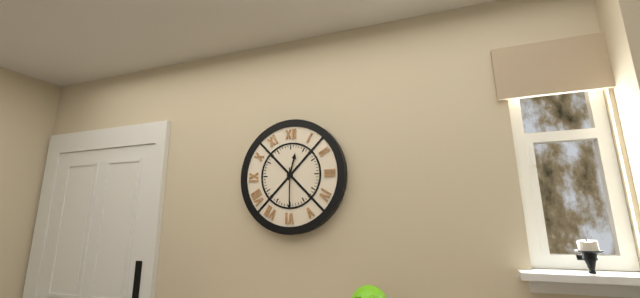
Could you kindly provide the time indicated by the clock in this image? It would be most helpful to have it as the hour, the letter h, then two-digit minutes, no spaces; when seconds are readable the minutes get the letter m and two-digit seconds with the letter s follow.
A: 12h30
